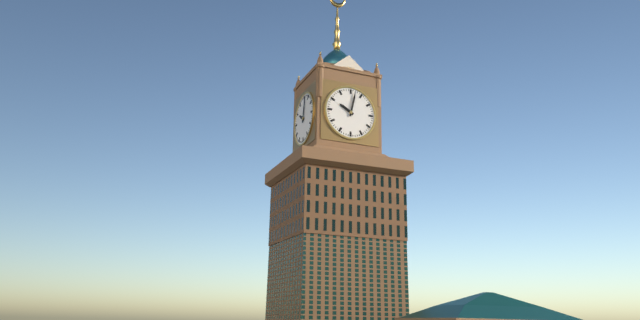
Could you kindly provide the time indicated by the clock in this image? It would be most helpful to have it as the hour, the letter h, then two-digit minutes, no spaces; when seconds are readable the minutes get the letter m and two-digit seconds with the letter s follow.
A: 10h02
